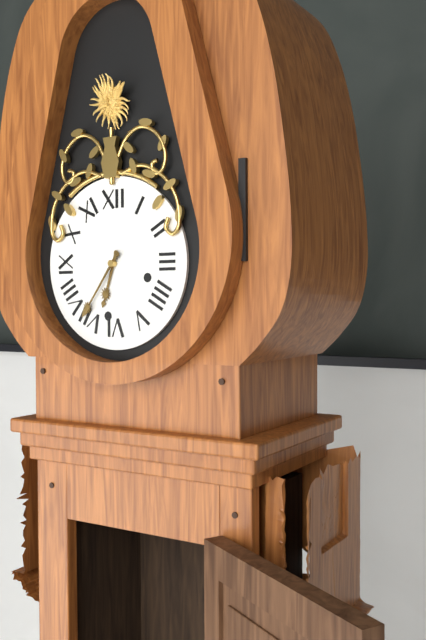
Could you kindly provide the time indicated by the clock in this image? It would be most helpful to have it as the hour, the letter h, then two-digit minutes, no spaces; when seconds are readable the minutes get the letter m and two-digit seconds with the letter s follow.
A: 6h36
